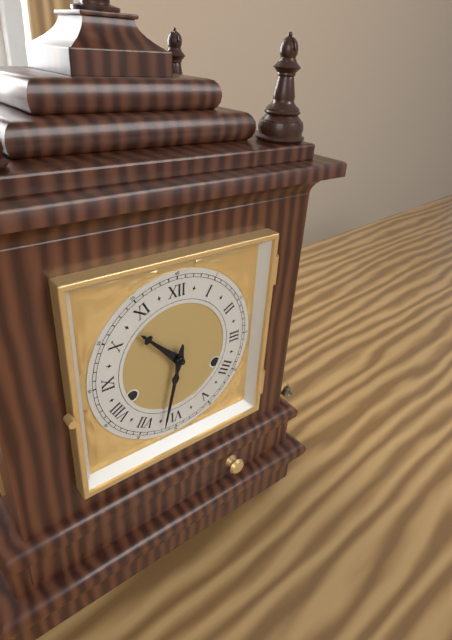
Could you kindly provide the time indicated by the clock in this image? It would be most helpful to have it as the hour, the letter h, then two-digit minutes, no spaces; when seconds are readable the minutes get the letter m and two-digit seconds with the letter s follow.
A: 10h32
